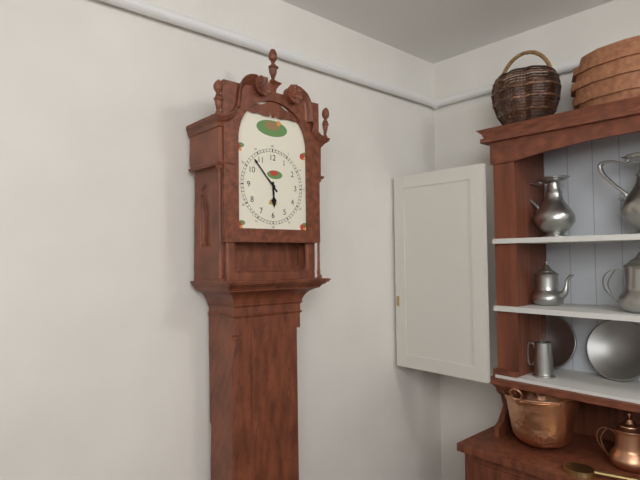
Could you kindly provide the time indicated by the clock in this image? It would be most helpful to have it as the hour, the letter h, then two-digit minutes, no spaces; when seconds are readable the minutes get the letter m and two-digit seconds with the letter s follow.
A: 5h53
